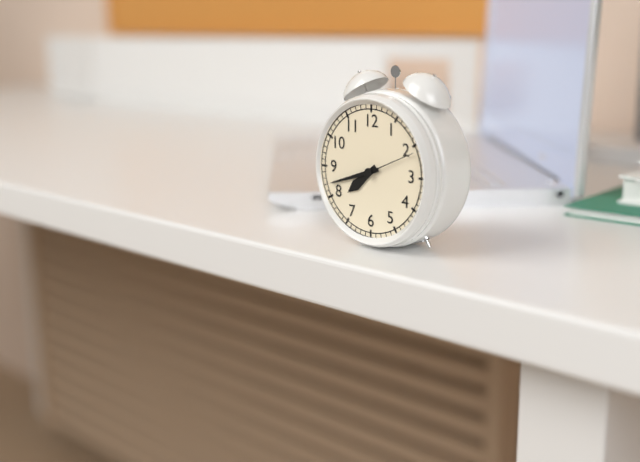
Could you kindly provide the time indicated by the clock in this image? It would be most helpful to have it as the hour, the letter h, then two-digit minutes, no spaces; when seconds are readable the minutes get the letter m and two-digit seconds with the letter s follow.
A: 7h42m11s
